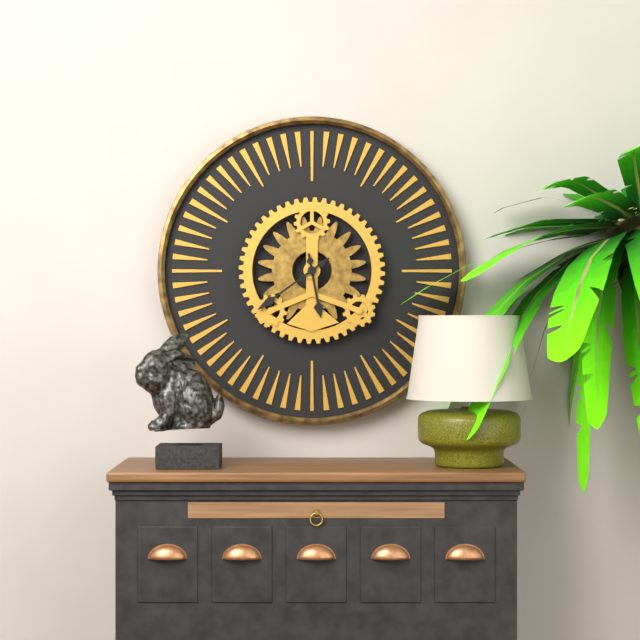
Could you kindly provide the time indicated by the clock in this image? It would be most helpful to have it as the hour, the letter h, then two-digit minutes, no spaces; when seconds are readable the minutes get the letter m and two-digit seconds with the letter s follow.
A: 5h39
